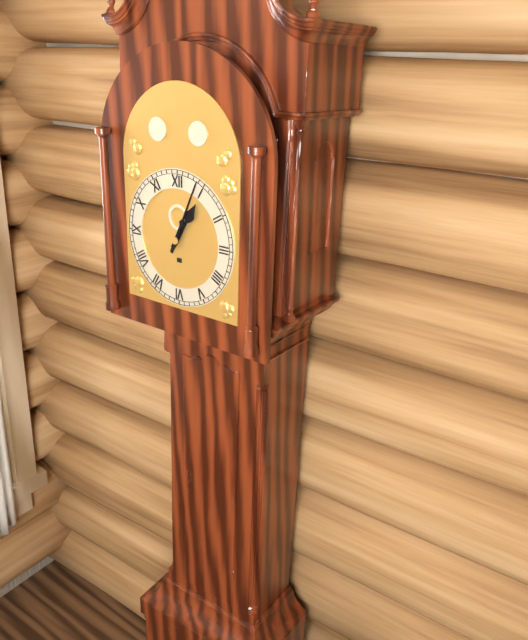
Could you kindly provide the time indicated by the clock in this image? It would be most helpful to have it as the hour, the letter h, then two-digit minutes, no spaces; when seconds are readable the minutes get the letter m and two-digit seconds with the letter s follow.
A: 1h04
